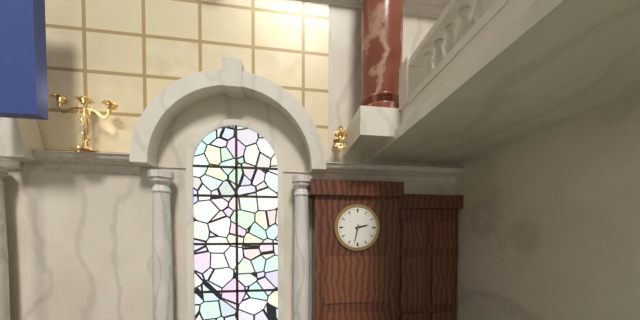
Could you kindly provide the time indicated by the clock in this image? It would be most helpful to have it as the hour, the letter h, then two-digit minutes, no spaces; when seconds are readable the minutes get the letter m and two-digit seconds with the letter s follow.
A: 2h32
